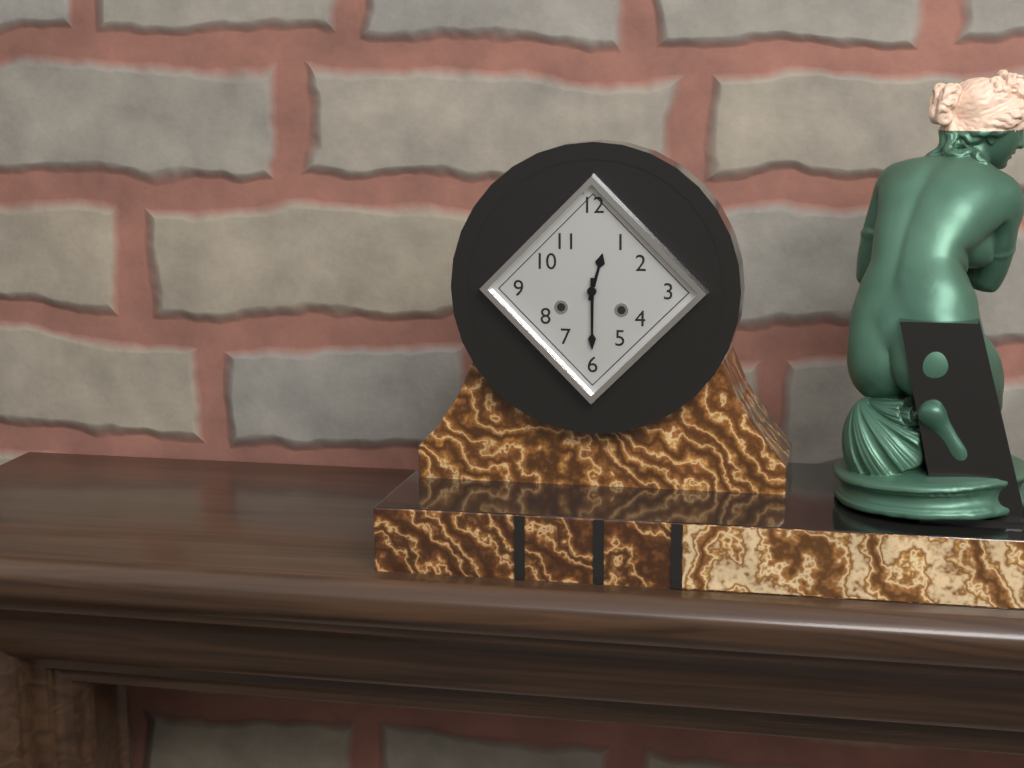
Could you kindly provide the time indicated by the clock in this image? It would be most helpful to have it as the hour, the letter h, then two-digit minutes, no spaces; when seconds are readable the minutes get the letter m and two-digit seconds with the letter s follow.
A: 12h30
